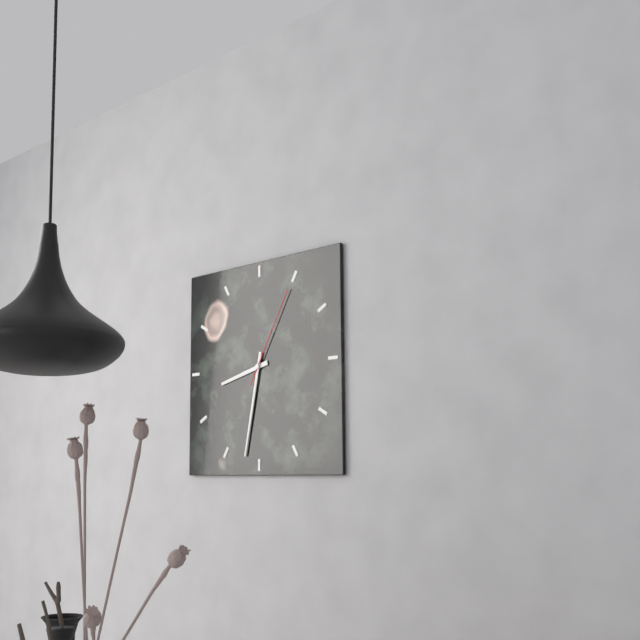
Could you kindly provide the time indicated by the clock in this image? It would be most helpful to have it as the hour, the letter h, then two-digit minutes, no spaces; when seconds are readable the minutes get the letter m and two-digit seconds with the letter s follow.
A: 8h32m05s
